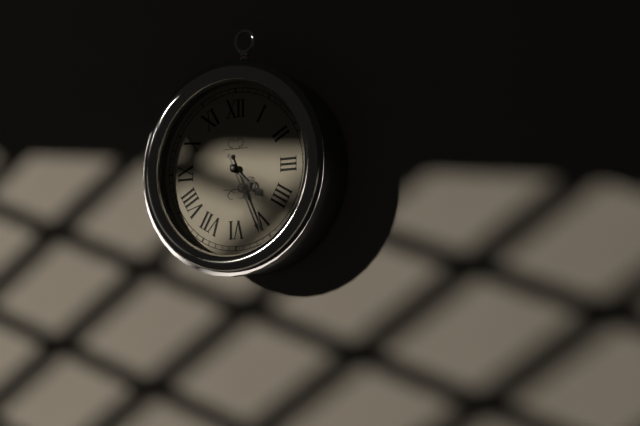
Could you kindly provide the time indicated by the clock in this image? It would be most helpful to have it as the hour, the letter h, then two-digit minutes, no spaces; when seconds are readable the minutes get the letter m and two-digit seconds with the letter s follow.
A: 4h26
